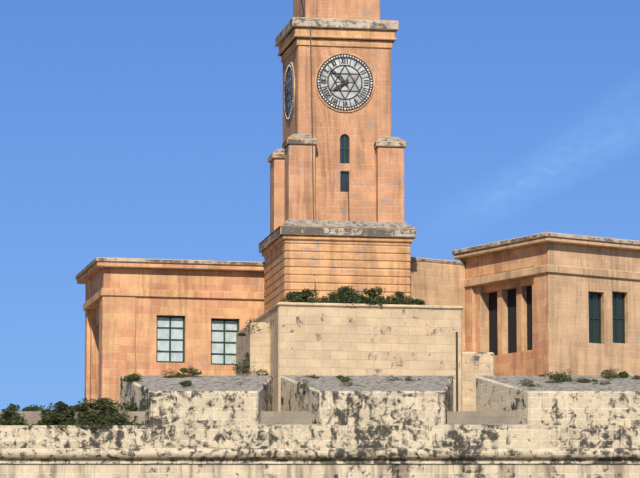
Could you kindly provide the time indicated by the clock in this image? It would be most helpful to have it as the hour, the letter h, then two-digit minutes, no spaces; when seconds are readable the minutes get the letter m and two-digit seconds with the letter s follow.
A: 7h52
